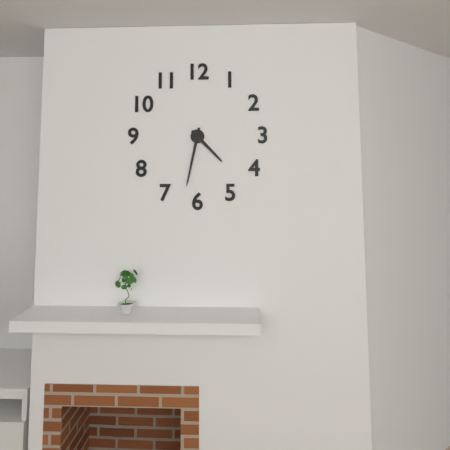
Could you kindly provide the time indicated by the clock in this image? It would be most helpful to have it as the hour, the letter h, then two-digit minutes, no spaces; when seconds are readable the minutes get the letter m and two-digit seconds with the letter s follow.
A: 4h32
